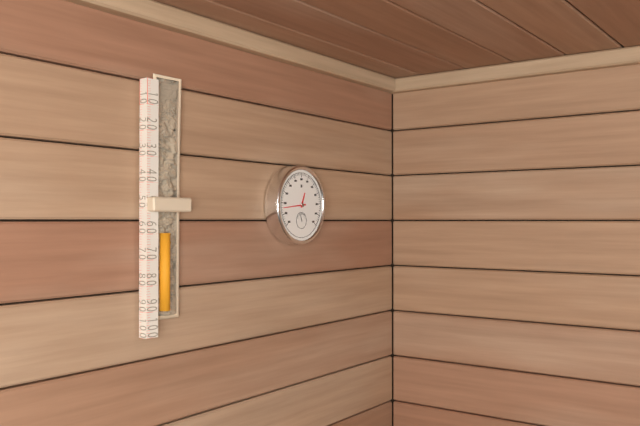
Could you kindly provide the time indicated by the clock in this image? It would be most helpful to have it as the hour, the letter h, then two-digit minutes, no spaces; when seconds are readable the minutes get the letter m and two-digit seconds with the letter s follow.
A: 12h44
